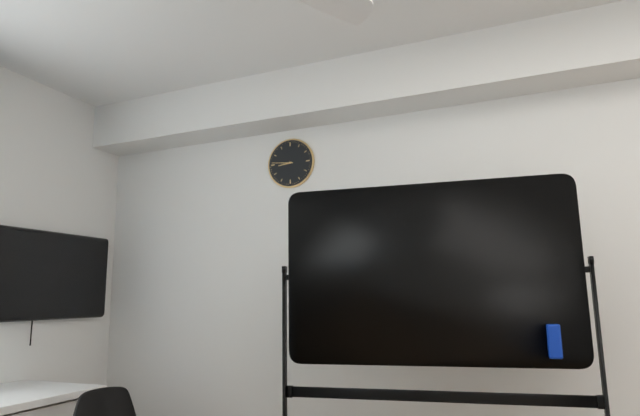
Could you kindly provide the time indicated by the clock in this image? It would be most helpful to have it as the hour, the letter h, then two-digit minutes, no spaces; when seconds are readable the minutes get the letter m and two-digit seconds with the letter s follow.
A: 8h46
